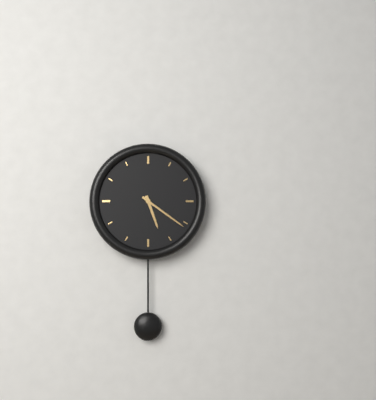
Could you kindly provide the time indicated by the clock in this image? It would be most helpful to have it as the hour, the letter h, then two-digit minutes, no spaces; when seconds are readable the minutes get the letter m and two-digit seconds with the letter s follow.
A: 5h21
